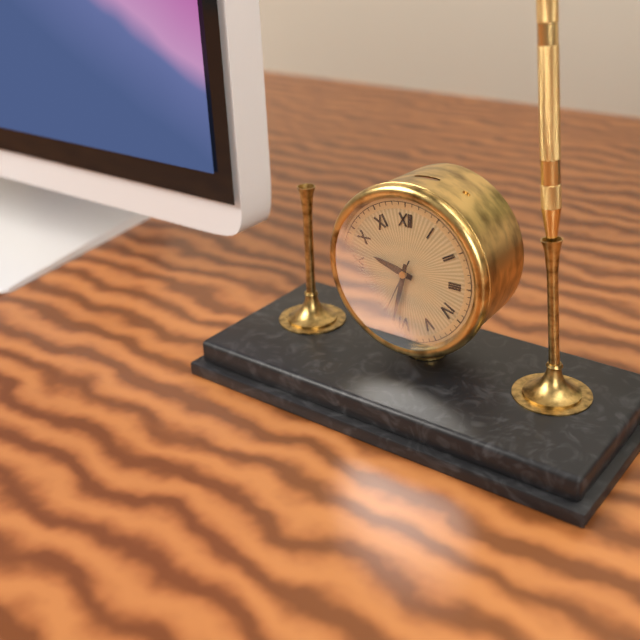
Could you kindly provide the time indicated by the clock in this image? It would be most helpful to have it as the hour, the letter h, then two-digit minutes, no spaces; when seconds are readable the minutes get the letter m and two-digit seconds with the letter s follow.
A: 9h32m34s
